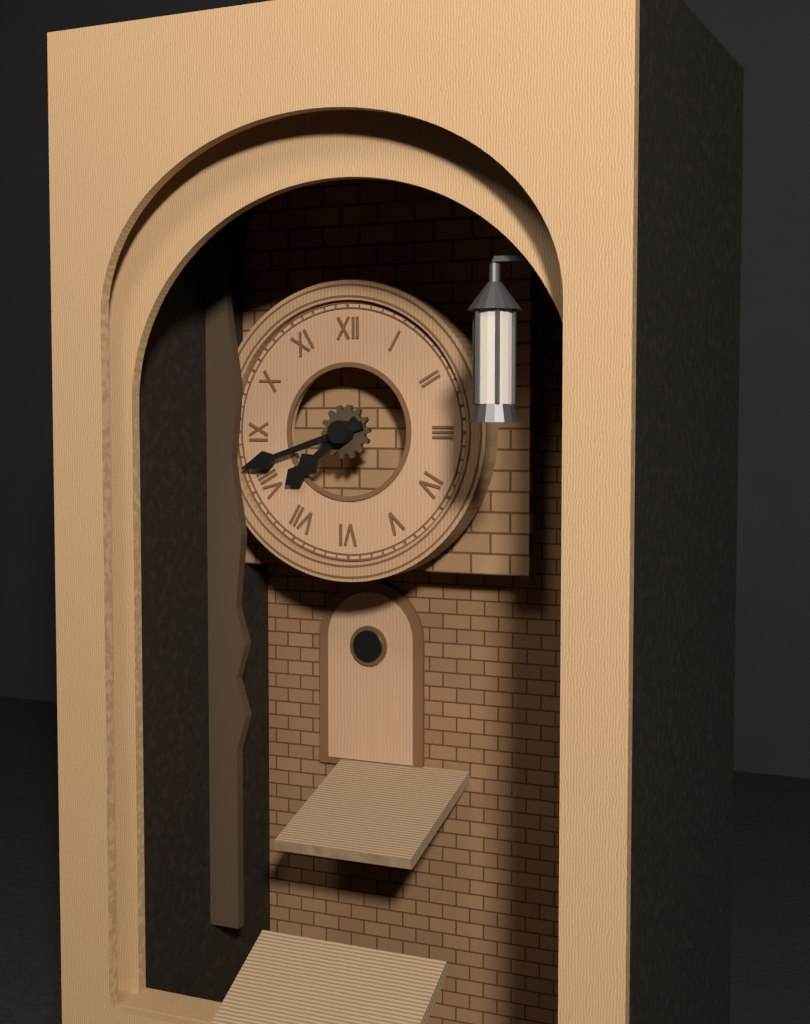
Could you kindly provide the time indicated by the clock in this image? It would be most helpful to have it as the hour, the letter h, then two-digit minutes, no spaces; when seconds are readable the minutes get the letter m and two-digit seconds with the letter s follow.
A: 7h42
